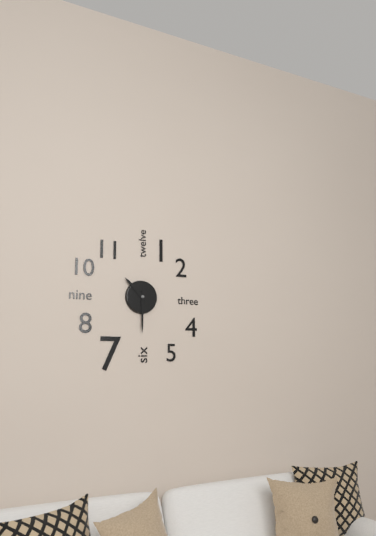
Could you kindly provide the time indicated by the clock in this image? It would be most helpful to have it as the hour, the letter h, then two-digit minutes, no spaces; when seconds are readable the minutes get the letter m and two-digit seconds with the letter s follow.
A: 10h30
